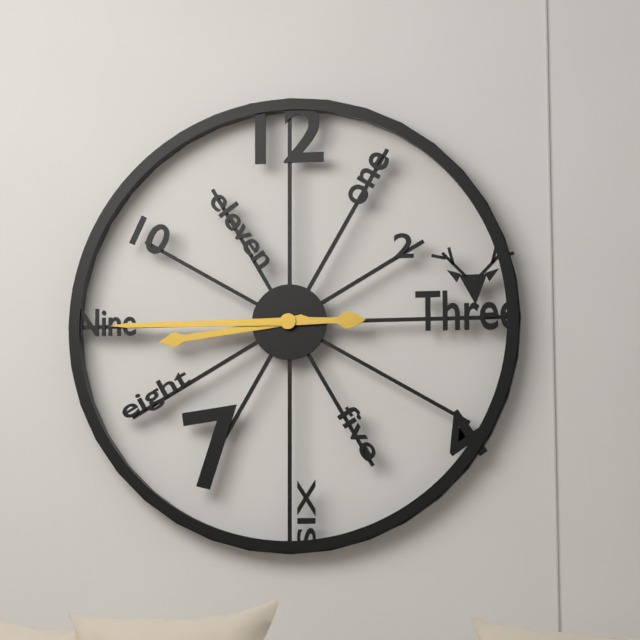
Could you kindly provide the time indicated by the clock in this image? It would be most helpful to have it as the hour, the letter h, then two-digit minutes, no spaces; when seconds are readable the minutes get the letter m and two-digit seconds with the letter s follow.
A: 8h45
